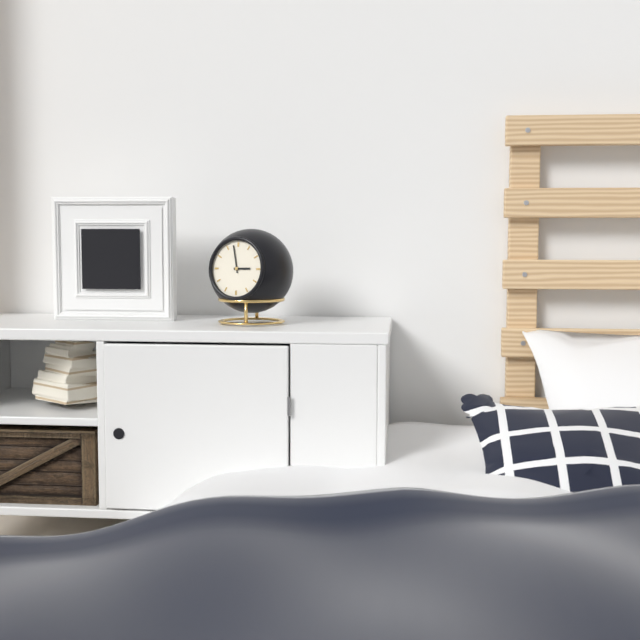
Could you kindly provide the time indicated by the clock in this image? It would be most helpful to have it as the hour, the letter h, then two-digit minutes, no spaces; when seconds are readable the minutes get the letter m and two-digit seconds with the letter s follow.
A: 2h58
